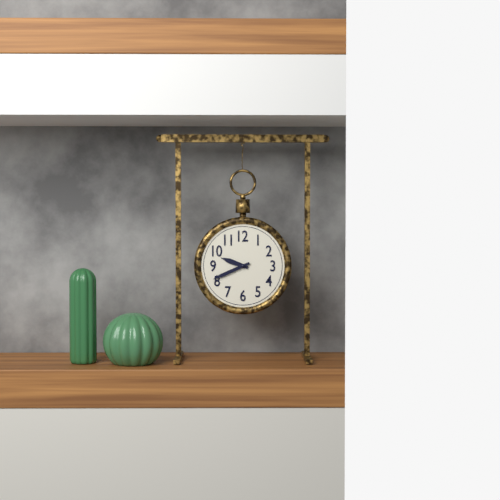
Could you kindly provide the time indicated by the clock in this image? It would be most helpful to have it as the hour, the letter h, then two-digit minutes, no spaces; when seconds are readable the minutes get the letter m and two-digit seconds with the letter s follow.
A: 9h41
